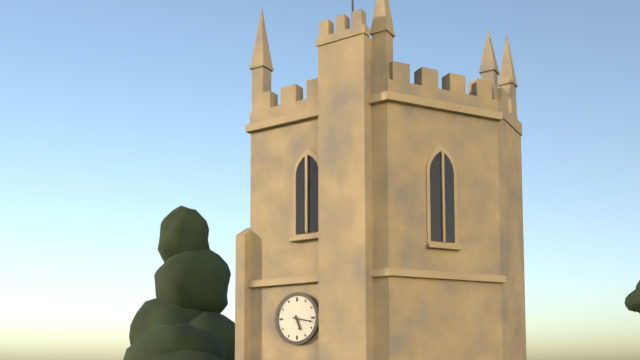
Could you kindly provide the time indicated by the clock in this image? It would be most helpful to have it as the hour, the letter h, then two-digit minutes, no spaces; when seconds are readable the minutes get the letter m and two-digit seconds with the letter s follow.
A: 5h17
